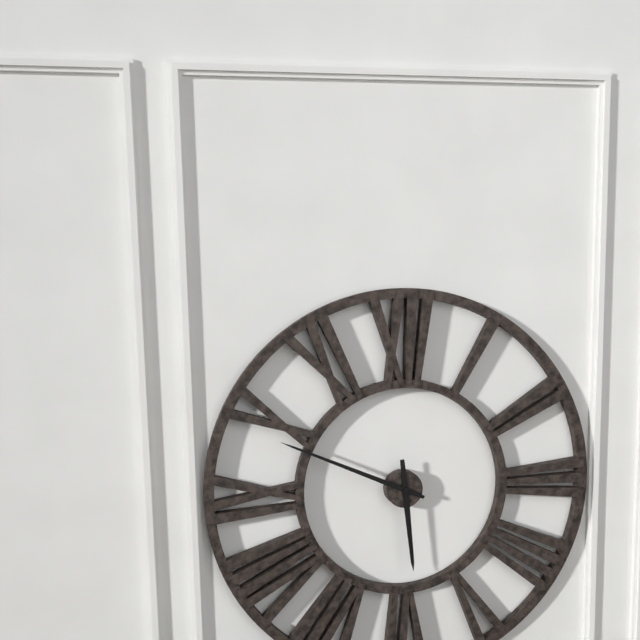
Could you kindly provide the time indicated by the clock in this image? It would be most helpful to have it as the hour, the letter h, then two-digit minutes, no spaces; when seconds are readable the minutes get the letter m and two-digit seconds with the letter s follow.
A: 5h49
